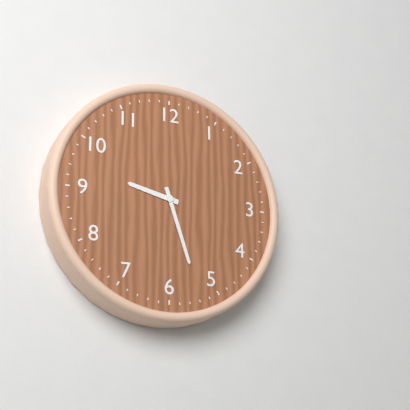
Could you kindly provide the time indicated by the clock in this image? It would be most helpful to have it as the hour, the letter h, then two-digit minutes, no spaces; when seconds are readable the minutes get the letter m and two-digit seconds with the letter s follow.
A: 9h27
